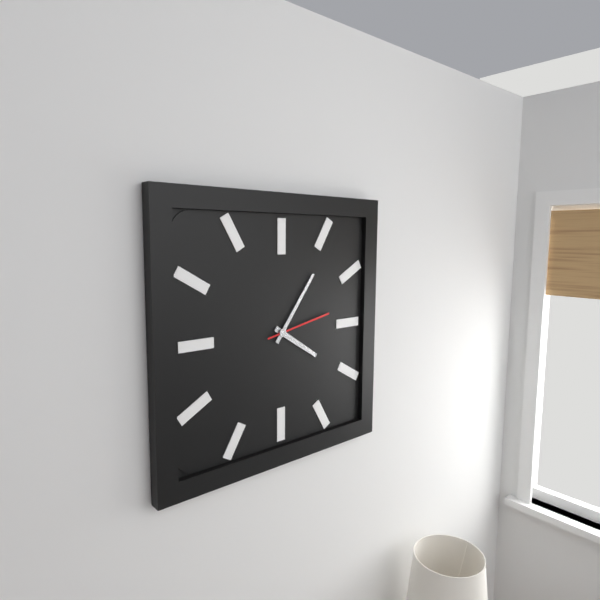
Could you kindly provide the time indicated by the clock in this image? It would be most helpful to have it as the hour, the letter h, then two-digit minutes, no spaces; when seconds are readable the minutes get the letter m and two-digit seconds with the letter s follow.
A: 4h06m13s
